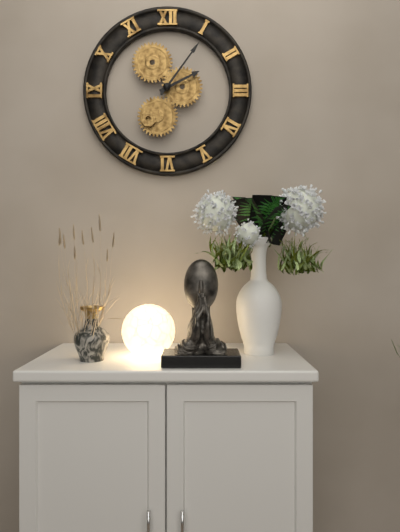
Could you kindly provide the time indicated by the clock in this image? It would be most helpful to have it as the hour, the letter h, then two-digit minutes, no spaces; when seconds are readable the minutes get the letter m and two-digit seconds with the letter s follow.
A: 2h06
